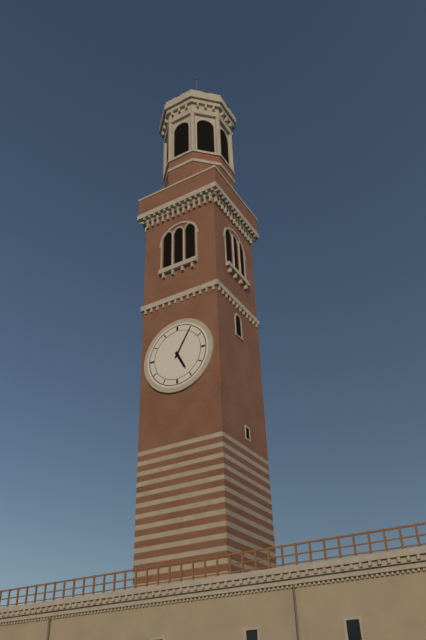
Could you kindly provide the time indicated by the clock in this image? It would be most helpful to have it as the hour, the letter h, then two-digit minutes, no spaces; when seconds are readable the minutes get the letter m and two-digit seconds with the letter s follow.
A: 5h05
